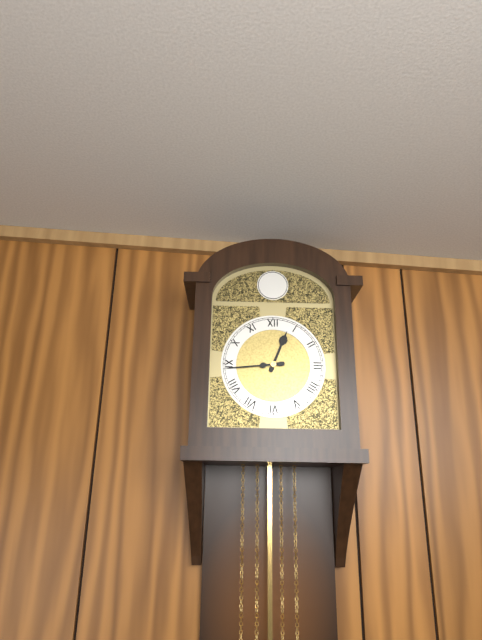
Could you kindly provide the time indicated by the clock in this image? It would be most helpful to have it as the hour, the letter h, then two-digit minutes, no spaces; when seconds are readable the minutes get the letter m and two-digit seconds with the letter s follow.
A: 12h44
